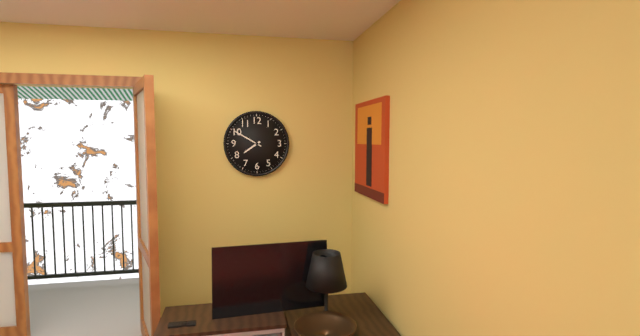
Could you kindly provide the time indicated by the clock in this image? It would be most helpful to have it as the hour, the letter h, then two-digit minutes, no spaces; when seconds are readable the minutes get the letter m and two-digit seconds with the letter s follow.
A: 7h50
